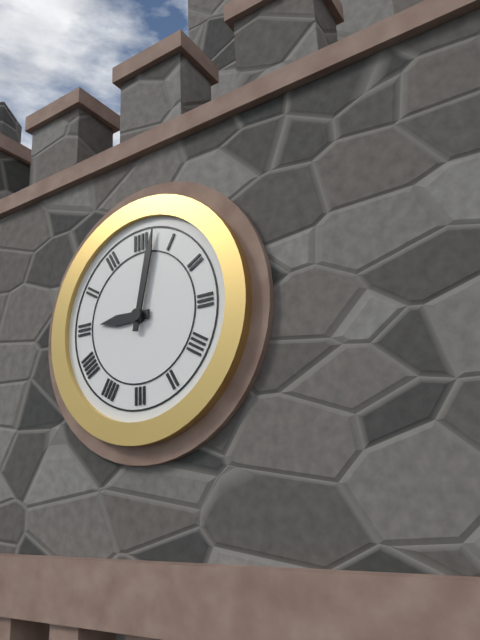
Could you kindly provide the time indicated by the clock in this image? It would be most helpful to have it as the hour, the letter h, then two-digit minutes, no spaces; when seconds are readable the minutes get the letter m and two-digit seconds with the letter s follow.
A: 9h02
